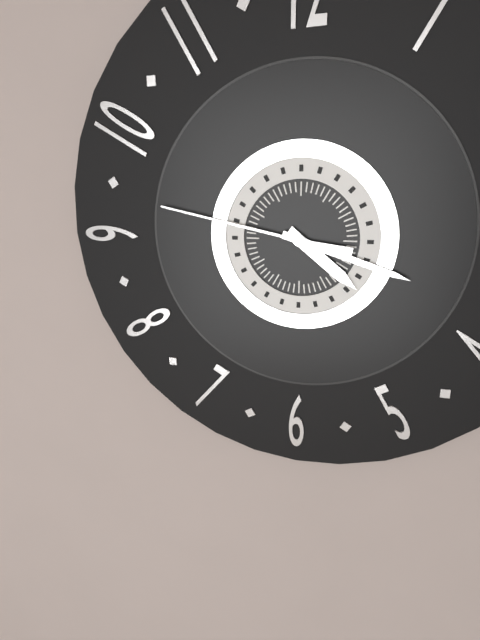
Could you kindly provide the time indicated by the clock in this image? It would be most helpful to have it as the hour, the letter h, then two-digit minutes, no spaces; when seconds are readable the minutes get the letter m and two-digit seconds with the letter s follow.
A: 4h18m47s
